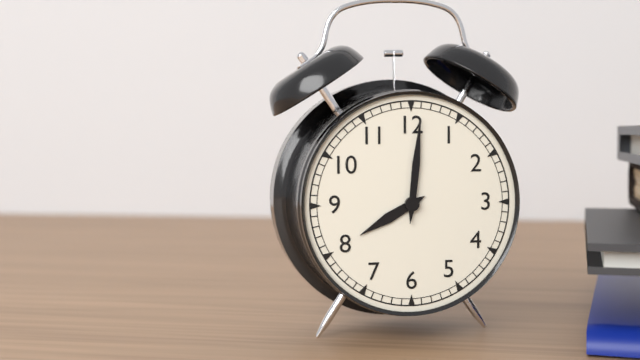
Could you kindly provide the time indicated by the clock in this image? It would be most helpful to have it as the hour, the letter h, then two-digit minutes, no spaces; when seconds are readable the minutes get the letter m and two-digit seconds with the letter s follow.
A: 8h01
